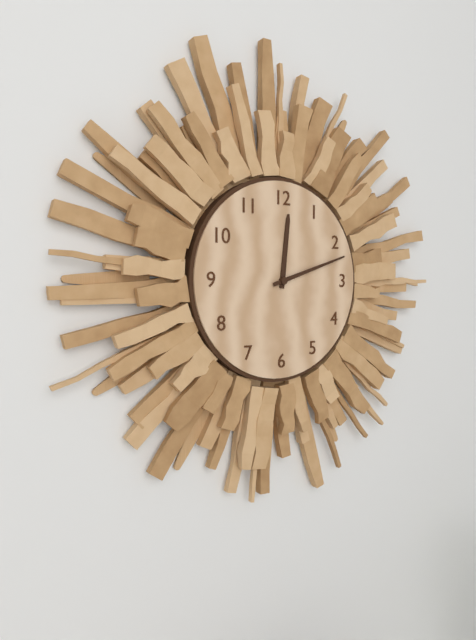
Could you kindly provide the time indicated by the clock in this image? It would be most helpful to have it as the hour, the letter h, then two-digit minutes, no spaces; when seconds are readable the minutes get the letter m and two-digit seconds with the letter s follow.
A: 12h12
